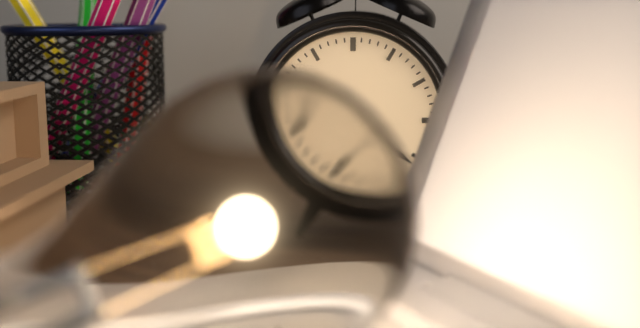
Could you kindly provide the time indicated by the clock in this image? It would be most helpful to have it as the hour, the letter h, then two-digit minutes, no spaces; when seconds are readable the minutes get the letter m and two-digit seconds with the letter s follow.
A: 10h21
